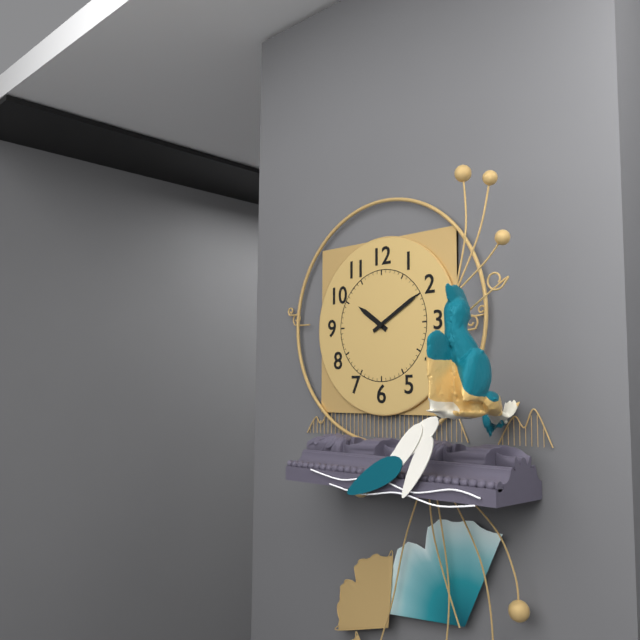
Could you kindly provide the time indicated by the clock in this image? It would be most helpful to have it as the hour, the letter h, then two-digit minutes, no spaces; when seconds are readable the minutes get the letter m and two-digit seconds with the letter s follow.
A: 10h10
